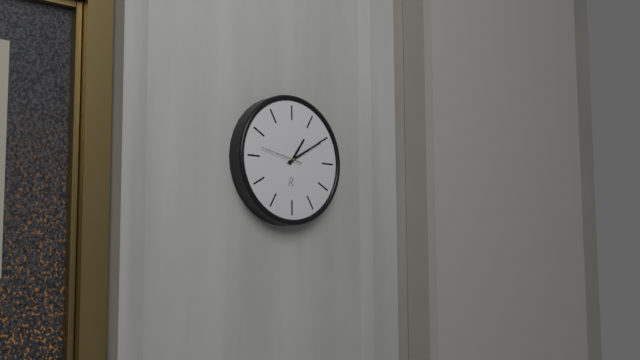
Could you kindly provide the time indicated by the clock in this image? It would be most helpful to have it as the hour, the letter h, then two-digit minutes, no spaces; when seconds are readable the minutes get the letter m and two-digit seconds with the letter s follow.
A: 1h10
